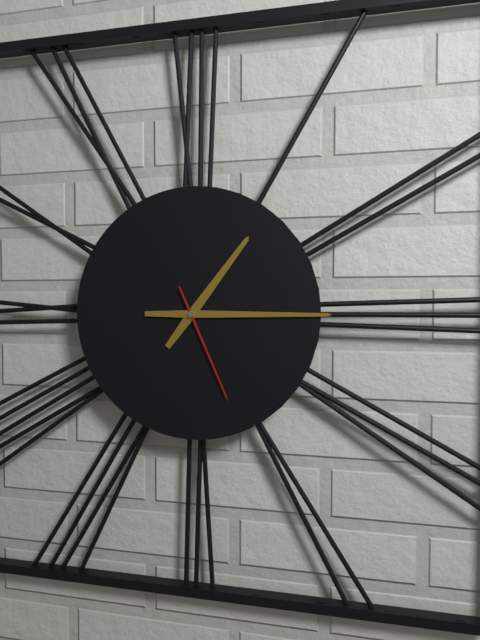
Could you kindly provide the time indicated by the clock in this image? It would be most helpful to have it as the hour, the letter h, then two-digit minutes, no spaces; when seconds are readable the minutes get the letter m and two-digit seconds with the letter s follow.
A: 1h15m26s
